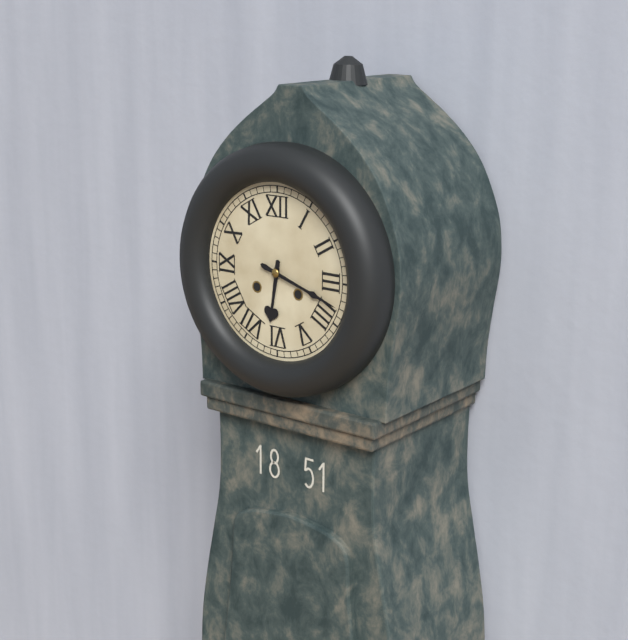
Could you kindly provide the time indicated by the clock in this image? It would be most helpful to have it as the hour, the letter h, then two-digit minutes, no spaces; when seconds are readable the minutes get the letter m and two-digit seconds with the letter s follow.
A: 6h18
